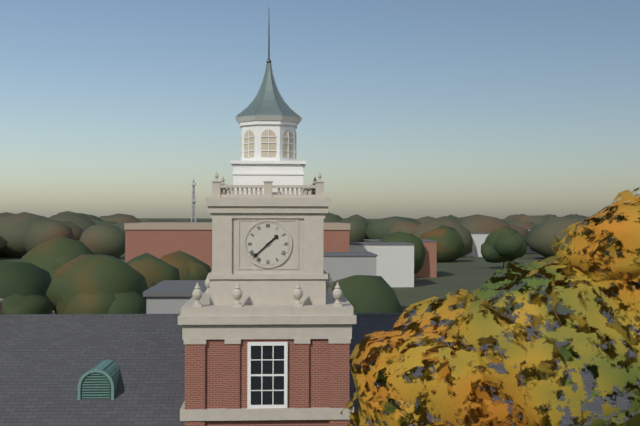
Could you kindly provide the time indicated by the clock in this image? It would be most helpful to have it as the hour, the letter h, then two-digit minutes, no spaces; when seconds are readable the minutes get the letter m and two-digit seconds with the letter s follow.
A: 1h38
